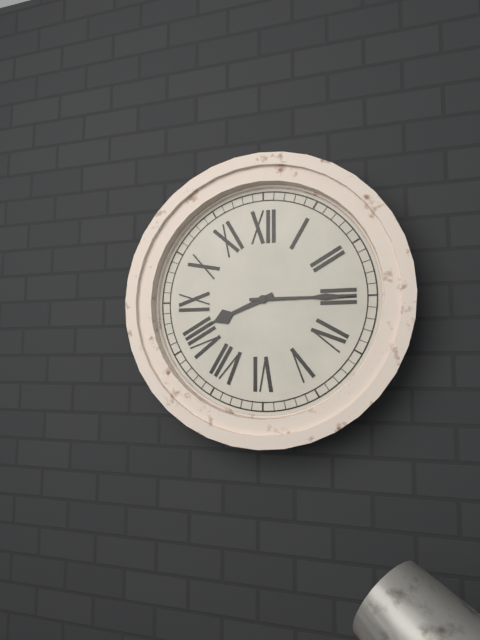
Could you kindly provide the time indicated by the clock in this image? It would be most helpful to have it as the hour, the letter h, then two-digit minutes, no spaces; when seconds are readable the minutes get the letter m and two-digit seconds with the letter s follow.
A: 8h15
